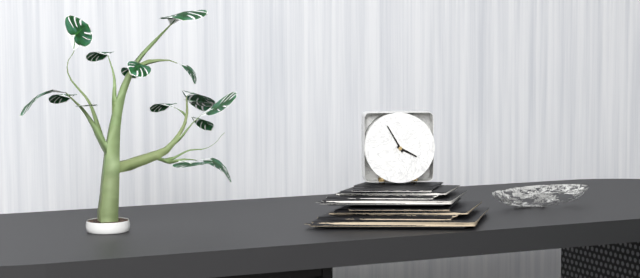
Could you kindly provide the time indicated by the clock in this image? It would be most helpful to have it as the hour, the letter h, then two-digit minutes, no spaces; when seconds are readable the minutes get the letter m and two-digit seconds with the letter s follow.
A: 3h55
